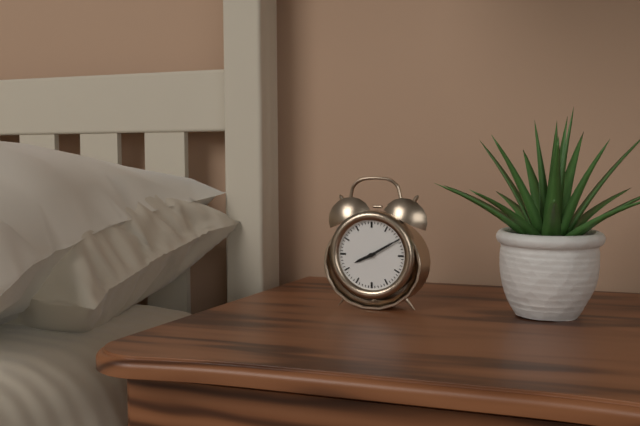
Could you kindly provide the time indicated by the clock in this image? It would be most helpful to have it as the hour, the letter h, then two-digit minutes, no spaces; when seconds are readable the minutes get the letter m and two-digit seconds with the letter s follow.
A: 8h10
